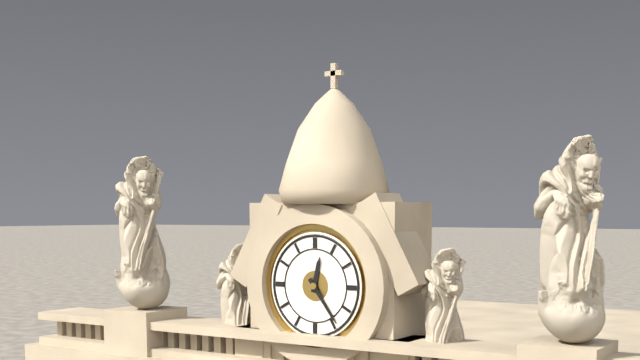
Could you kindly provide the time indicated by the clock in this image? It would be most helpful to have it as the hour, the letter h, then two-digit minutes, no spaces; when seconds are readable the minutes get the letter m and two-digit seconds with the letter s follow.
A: 12h24
